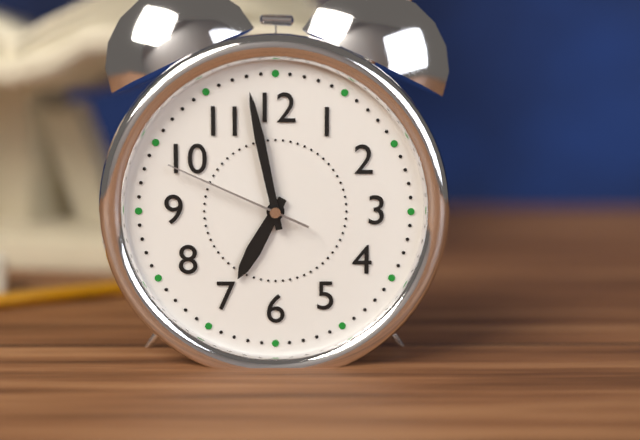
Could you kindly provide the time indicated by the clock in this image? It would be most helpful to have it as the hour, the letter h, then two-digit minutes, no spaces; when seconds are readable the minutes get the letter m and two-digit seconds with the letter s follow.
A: 6h58m49s
